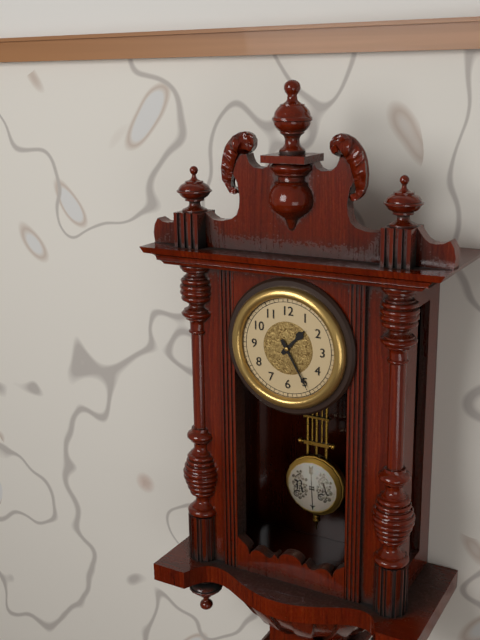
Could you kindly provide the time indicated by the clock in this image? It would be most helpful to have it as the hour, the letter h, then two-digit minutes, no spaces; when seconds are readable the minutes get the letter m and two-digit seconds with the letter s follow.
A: 1h25
